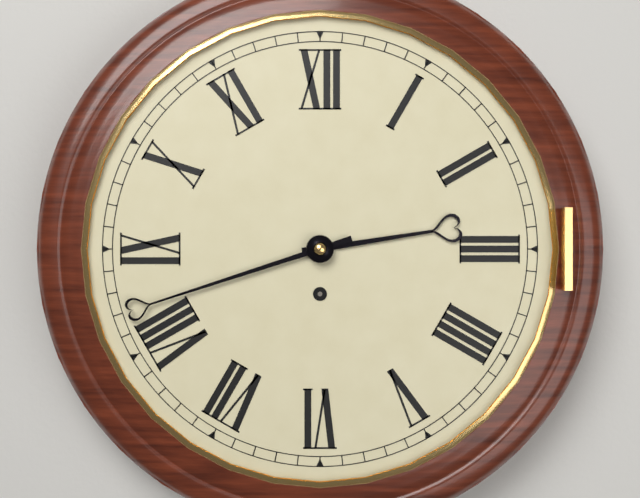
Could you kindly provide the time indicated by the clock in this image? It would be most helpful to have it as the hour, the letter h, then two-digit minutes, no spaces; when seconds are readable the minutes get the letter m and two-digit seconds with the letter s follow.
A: 2h42
